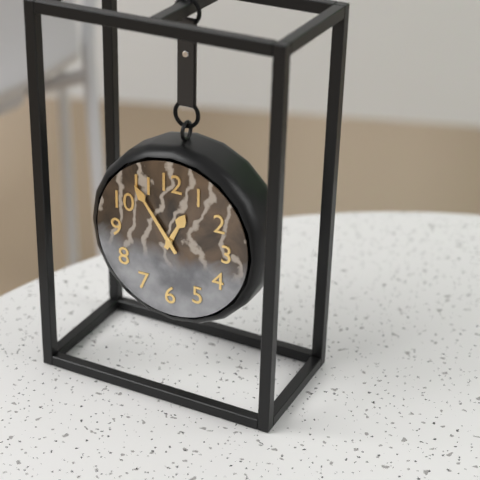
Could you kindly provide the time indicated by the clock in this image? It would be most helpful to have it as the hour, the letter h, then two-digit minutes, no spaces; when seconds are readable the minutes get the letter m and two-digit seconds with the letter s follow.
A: 12h54
